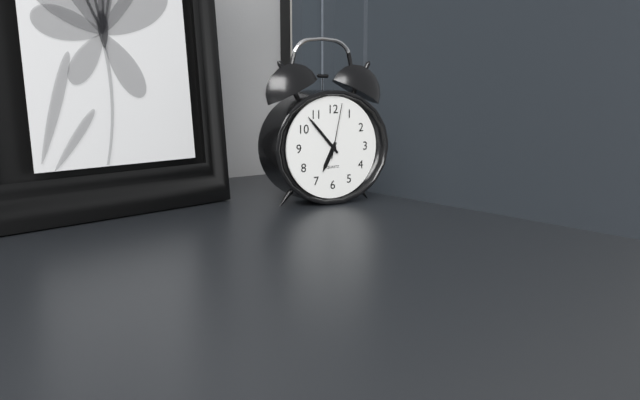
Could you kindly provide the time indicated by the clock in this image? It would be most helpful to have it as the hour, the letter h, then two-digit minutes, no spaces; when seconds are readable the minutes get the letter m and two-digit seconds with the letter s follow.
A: 6h53m02s
